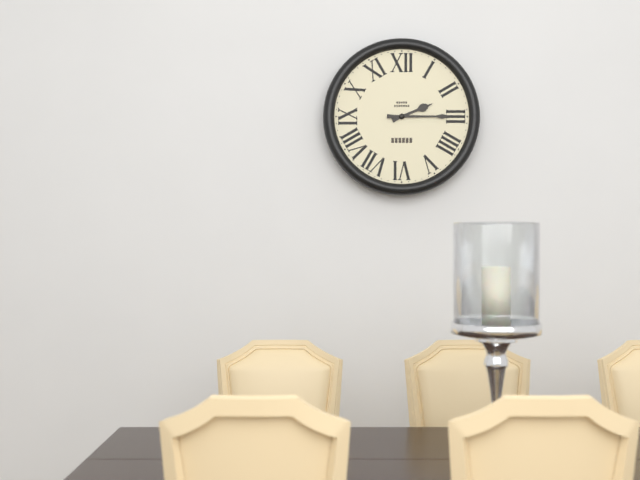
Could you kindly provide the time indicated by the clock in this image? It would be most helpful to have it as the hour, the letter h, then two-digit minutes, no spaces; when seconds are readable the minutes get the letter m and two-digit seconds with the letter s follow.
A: 2h15
